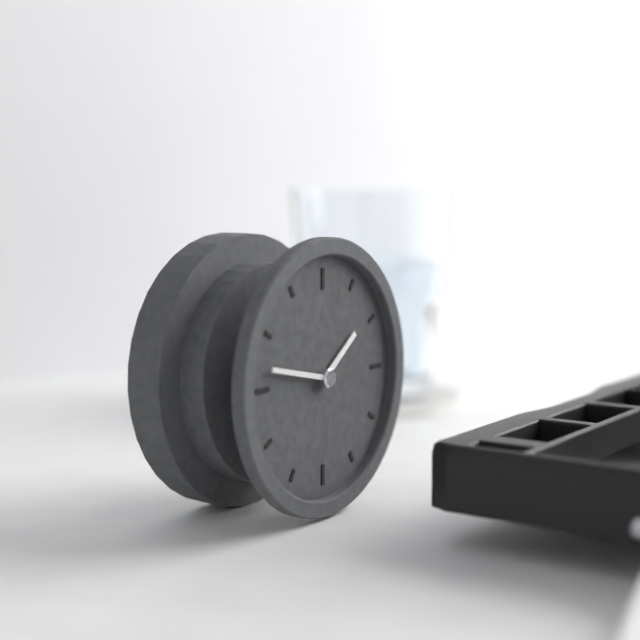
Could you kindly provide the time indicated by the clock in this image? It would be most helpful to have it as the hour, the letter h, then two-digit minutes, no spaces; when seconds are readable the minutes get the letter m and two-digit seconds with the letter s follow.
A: 1h47
